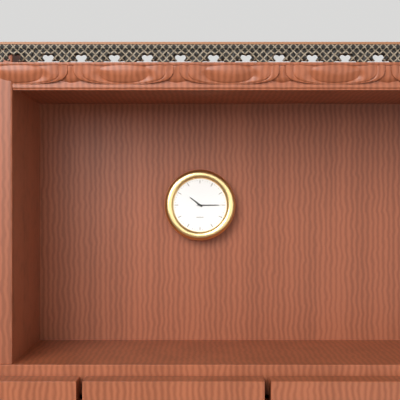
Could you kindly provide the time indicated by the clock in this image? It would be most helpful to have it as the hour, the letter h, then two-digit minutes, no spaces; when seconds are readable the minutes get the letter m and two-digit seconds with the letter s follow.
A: 10h15
